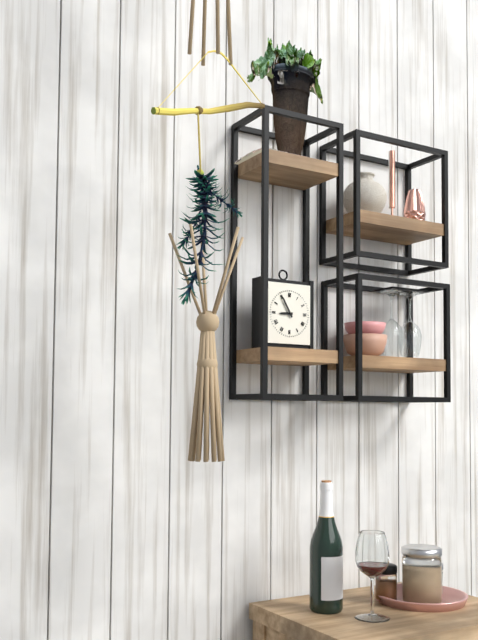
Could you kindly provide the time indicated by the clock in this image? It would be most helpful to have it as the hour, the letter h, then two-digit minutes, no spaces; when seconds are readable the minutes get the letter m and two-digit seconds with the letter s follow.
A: 8h55
